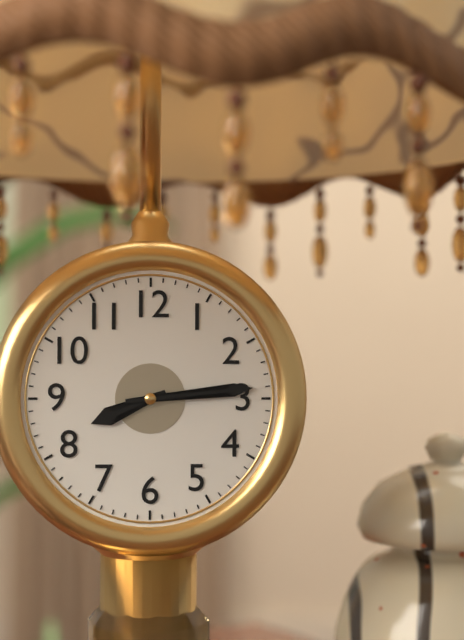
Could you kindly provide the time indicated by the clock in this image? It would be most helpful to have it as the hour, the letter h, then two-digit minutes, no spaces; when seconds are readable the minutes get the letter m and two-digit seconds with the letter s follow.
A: 8h14
